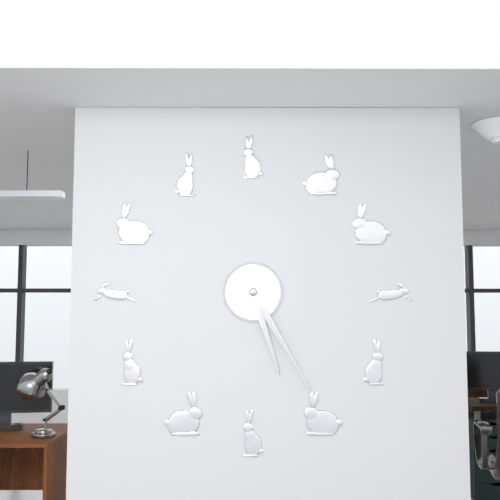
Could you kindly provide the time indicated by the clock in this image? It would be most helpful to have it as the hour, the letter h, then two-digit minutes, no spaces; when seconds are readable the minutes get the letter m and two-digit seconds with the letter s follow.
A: 5h25
